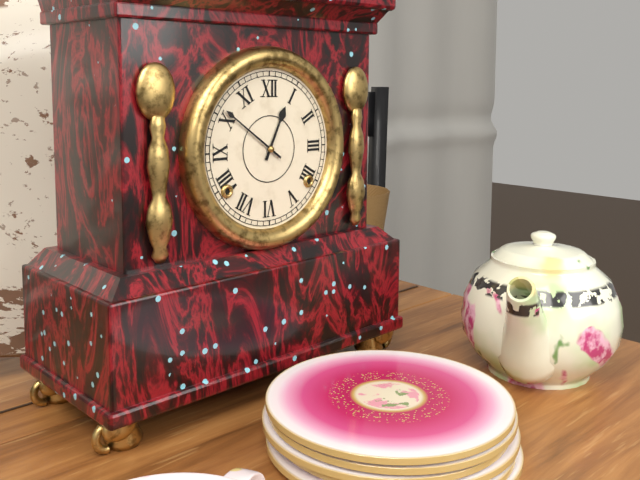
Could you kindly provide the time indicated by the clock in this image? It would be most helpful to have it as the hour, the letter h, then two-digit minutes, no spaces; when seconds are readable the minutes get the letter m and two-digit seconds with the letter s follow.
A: 12h51
